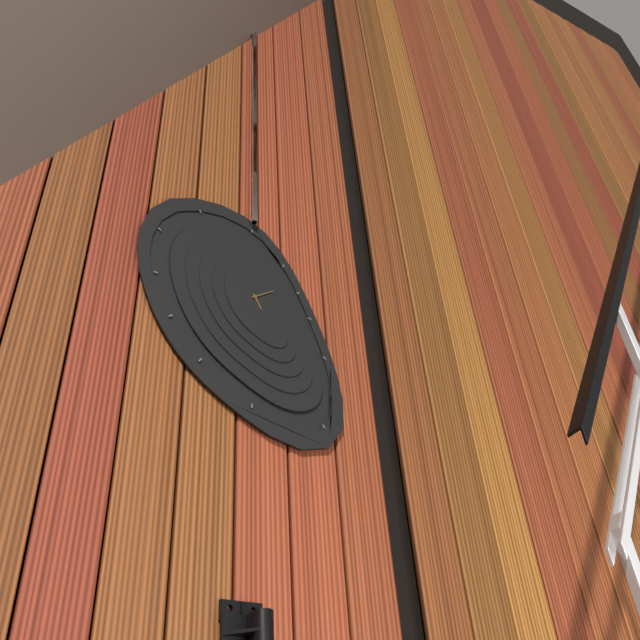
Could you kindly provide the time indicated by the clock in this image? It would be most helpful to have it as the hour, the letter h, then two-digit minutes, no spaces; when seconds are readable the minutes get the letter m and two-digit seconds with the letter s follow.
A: 5h09
